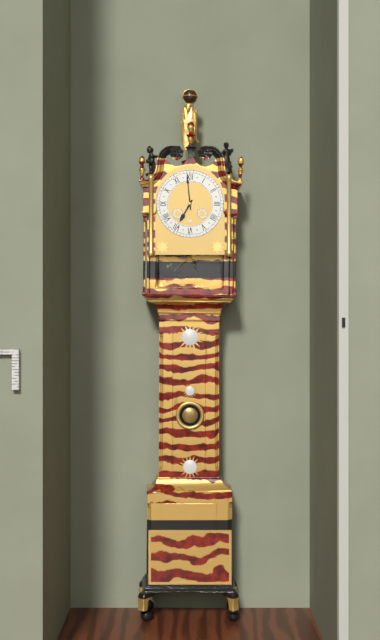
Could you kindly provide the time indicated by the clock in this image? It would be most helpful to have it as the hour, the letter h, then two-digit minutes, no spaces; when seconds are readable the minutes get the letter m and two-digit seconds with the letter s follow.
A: 6h59
